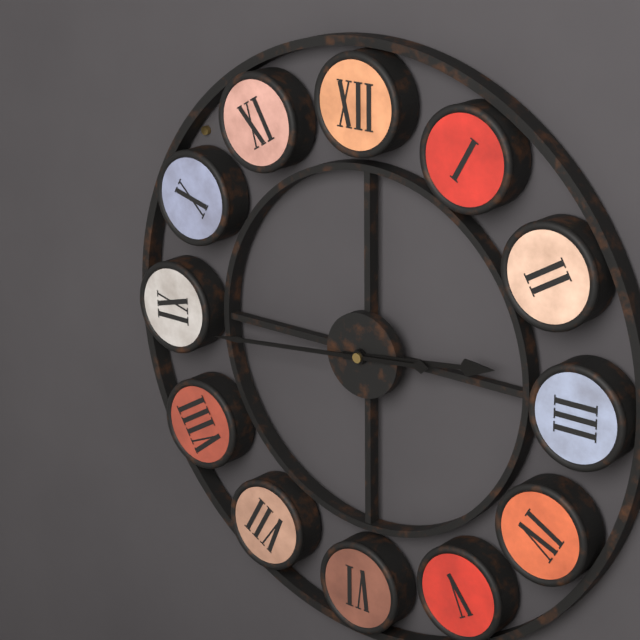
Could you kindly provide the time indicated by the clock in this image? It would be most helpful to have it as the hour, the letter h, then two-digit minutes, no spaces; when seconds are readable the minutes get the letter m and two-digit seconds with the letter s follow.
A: 2h44
